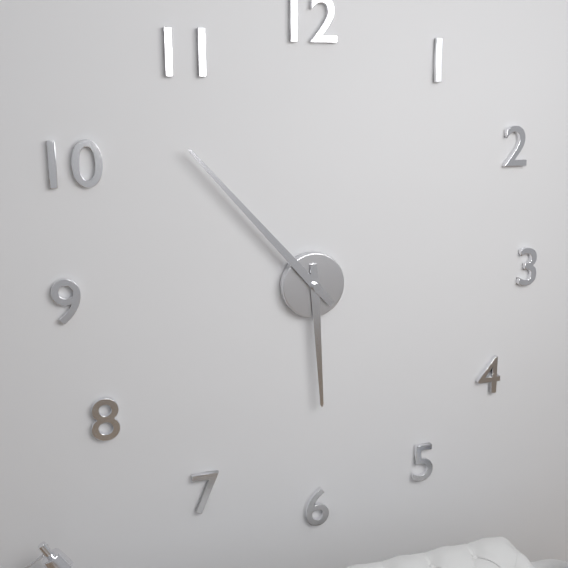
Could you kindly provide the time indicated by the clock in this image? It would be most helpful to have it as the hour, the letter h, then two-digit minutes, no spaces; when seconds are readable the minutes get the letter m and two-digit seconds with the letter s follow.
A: 5h53
